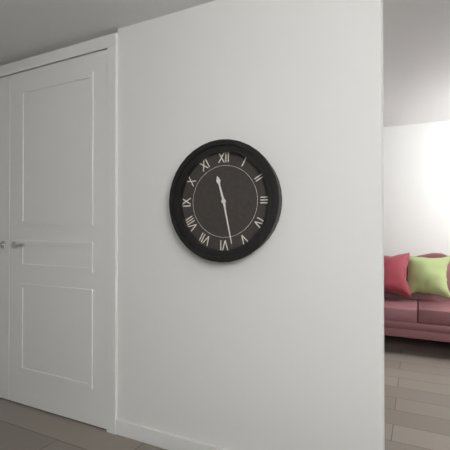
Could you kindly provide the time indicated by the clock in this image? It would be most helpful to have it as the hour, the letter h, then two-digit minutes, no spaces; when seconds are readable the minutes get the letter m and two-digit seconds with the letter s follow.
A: 11h28
